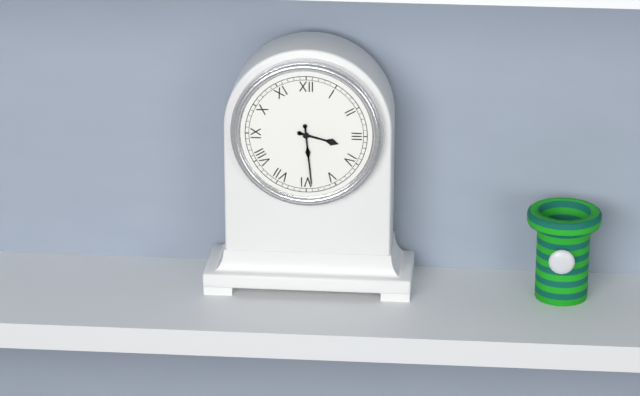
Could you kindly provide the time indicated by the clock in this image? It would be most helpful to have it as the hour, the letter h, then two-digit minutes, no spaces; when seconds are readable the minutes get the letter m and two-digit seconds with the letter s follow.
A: 3h29
